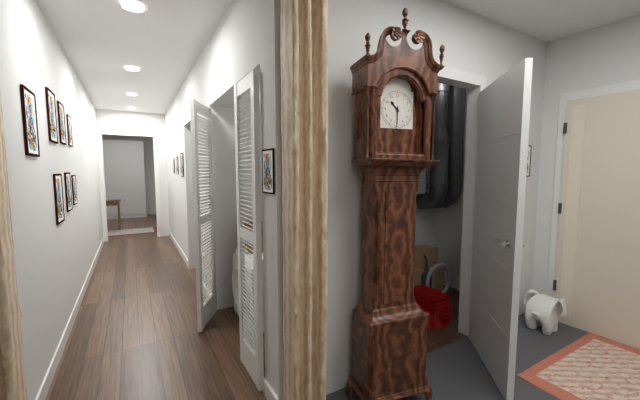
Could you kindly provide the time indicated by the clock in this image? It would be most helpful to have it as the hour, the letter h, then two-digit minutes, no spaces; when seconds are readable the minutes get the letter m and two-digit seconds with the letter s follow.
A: 10h30
